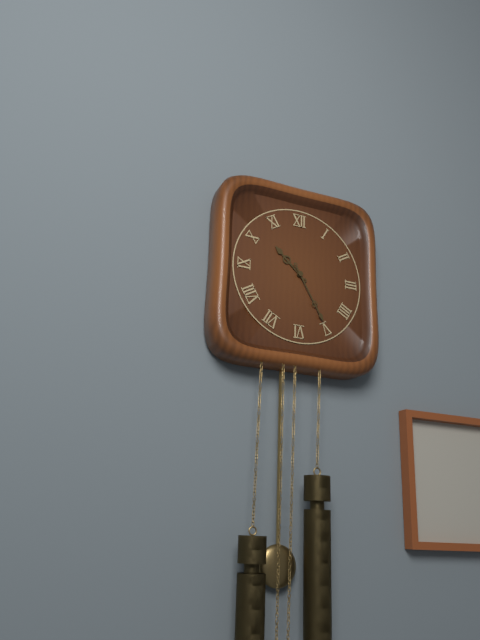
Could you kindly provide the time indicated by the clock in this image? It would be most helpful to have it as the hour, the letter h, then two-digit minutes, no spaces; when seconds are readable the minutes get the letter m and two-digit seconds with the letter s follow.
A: 10h25
